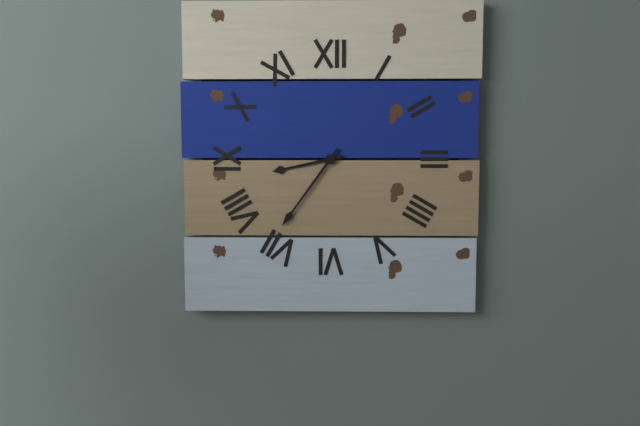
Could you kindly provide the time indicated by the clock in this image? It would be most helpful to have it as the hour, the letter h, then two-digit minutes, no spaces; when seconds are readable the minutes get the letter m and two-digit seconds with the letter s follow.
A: 8h36
